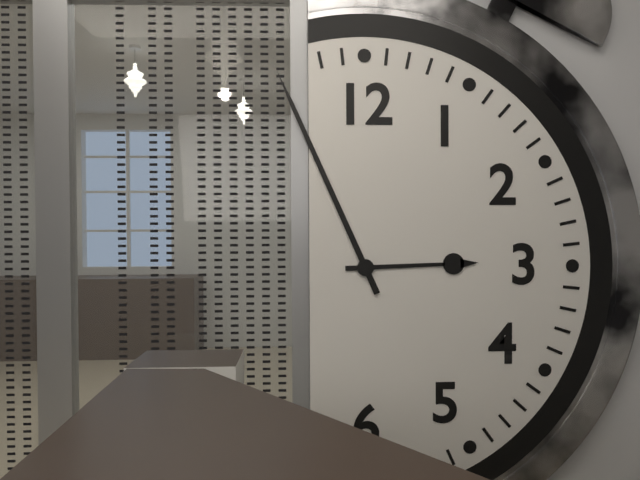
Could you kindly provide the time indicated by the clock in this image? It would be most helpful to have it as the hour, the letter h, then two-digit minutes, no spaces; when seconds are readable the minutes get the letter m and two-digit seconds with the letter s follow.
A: 2h56
